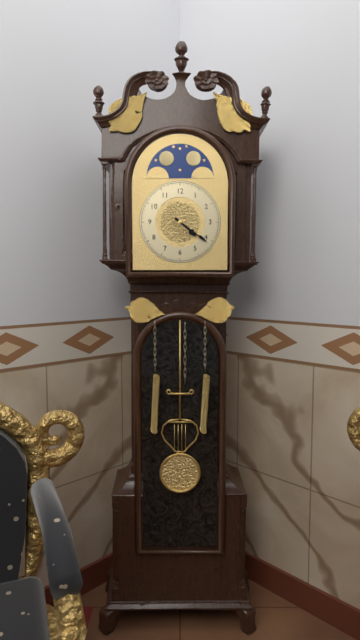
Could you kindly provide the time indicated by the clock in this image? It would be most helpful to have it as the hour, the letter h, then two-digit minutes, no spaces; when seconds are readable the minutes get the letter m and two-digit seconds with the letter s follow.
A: 4h21
